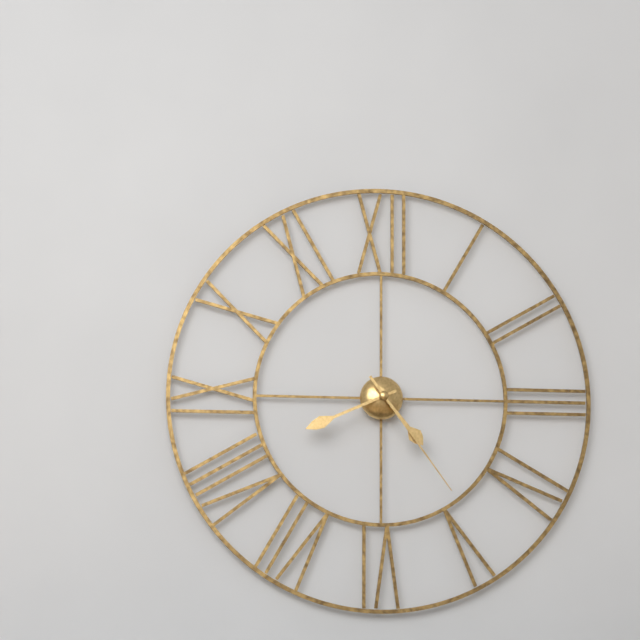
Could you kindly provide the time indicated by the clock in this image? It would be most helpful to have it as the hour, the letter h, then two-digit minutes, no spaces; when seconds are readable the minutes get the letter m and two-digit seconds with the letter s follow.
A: 4h41m24s
